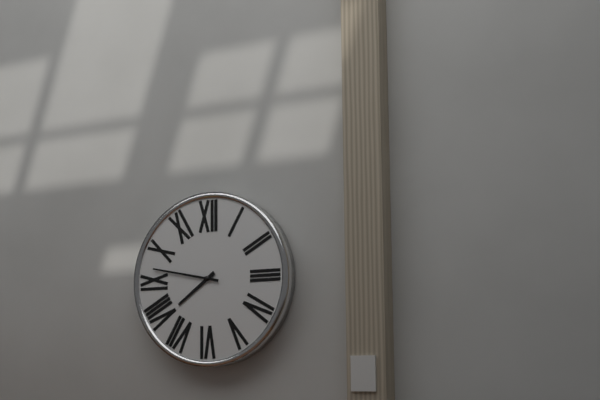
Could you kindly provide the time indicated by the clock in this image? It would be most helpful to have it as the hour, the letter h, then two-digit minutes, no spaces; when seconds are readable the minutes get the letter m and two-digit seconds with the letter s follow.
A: 7h47
